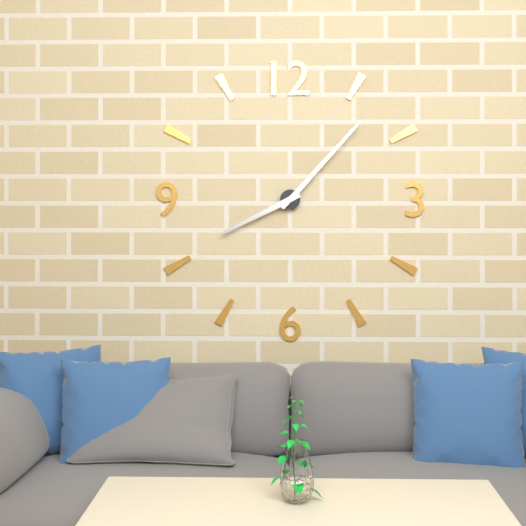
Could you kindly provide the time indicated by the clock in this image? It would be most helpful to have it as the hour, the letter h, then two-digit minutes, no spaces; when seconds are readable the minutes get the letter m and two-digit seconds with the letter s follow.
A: 8h07
